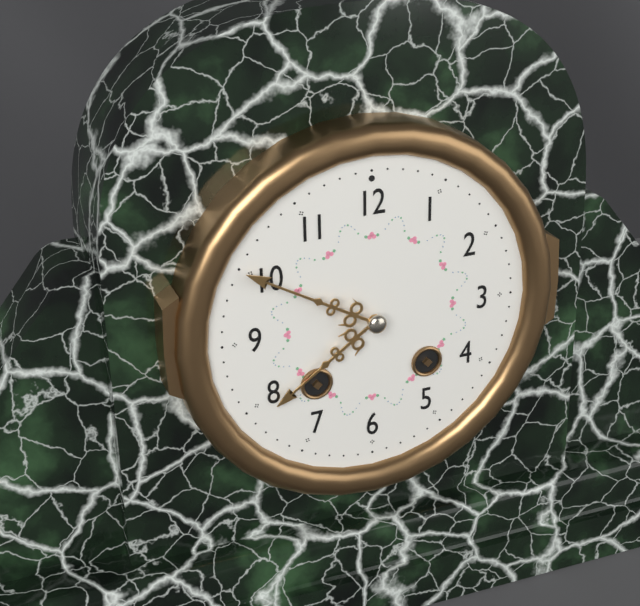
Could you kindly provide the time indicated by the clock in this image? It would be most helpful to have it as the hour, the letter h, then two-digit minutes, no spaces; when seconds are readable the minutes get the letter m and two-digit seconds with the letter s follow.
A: 7h50
